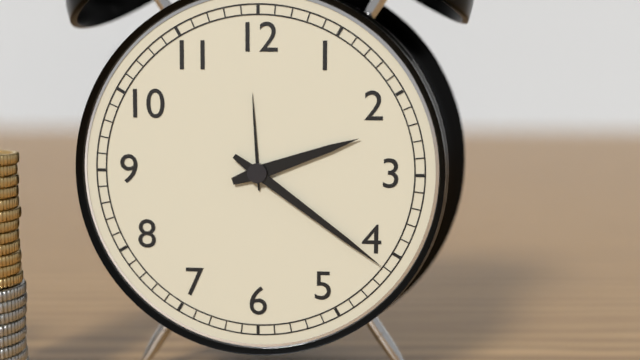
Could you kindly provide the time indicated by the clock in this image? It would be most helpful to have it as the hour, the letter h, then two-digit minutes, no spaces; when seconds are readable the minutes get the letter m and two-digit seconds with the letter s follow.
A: 2h21
